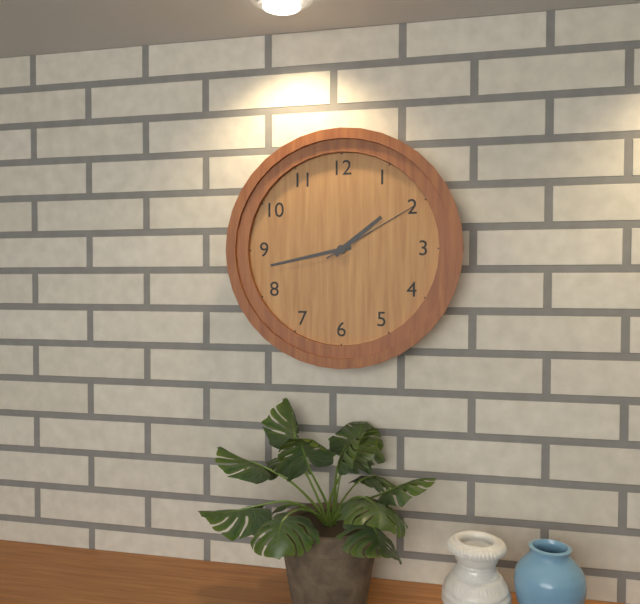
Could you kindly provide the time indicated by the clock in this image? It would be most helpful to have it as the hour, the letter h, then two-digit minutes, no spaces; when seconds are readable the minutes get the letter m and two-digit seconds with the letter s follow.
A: 1h43m10s
